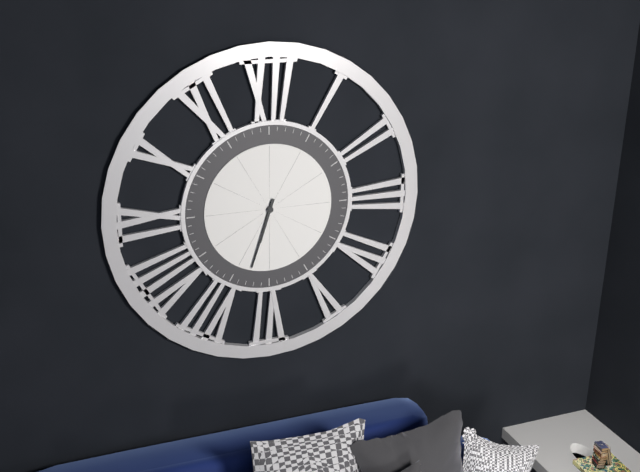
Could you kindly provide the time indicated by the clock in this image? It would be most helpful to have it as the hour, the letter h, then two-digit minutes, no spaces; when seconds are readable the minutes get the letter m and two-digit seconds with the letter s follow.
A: 6h33
